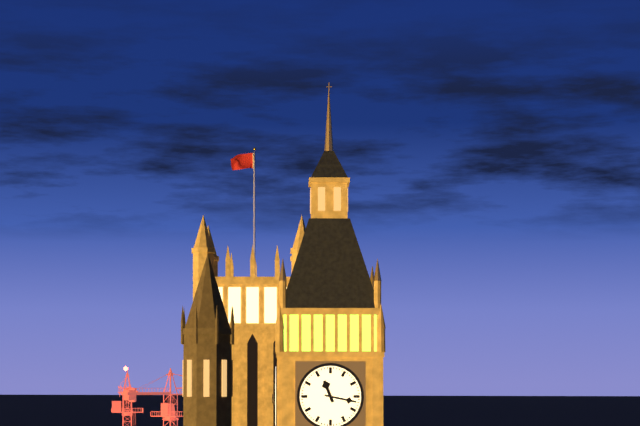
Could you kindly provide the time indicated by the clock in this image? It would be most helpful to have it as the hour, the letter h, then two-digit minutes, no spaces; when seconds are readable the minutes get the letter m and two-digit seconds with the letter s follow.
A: 11h17
